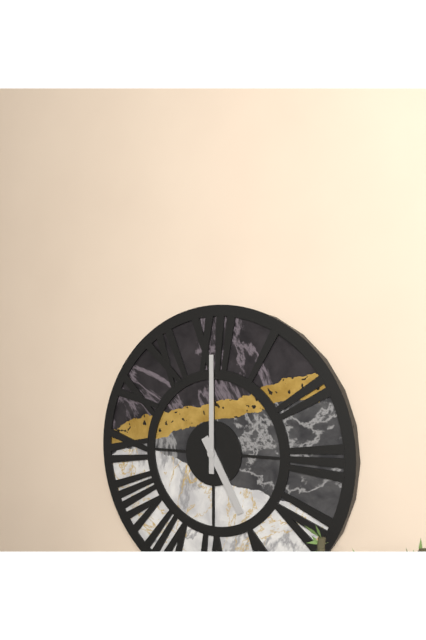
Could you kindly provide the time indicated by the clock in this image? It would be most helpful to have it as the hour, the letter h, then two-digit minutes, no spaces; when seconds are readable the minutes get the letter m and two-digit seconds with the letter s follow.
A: 5h00
